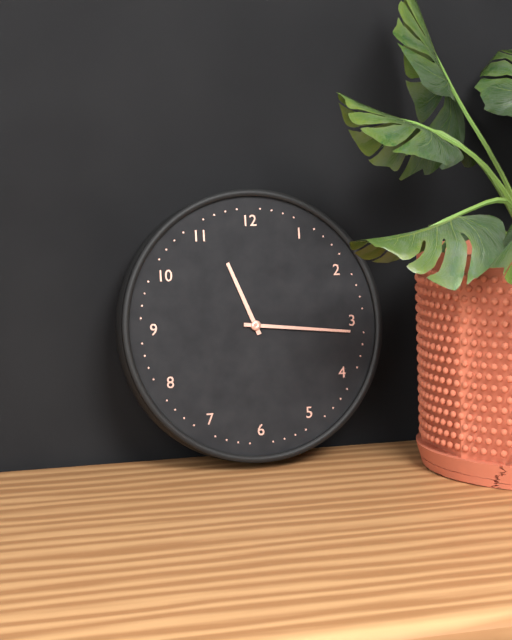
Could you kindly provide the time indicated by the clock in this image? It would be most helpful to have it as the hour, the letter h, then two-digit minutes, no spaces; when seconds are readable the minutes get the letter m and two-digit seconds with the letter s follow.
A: 11h16
